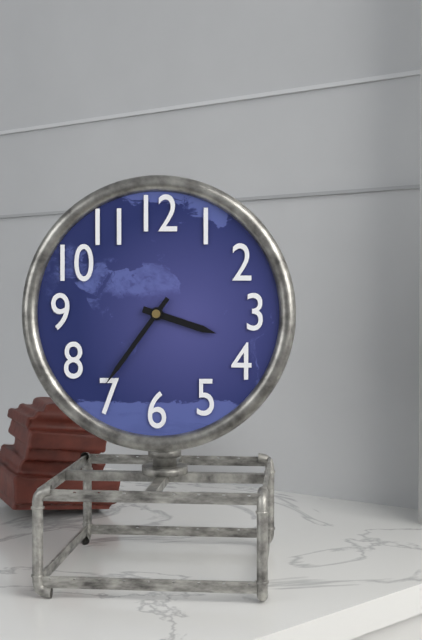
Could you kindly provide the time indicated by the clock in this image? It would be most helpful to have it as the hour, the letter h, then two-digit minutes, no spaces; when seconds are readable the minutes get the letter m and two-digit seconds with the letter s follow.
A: 3h36
